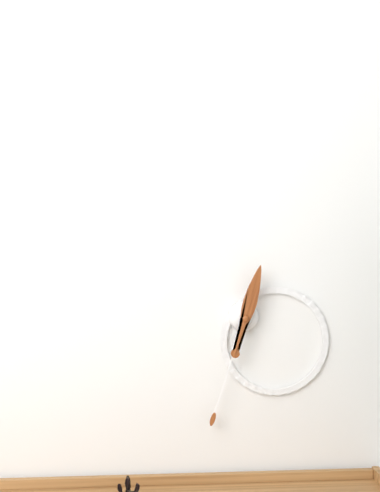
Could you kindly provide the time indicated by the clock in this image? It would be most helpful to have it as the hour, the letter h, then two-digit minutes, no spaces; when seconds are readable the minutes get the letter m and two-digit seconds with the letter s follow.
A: 12h33
